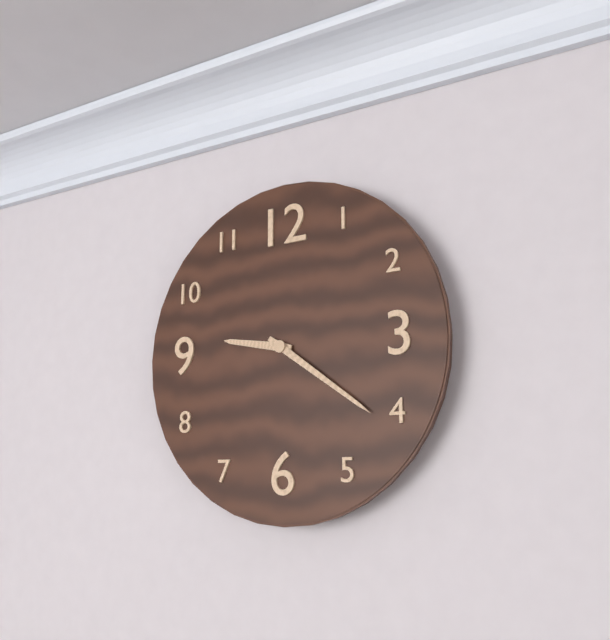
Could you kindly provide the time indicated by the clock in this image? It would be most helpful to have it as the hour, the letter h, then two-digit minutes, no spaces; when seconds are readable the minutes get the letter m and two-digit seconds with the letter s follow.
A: 9h21
